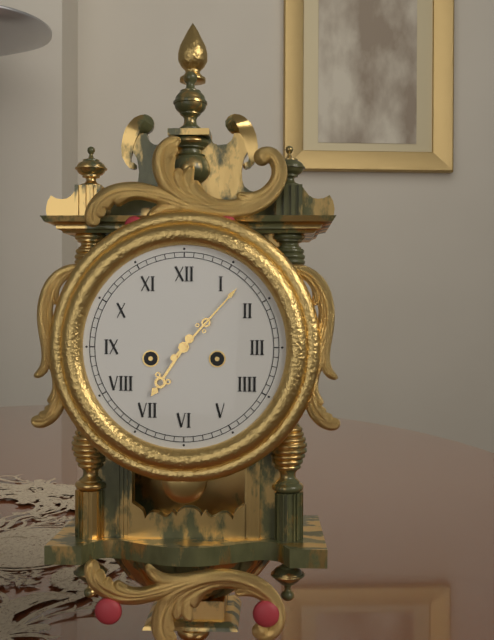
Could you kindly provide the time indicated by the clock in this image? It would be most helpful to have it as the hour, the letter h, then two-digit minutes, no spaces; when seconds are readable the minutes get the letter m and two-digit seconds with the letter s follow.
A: 7h07
